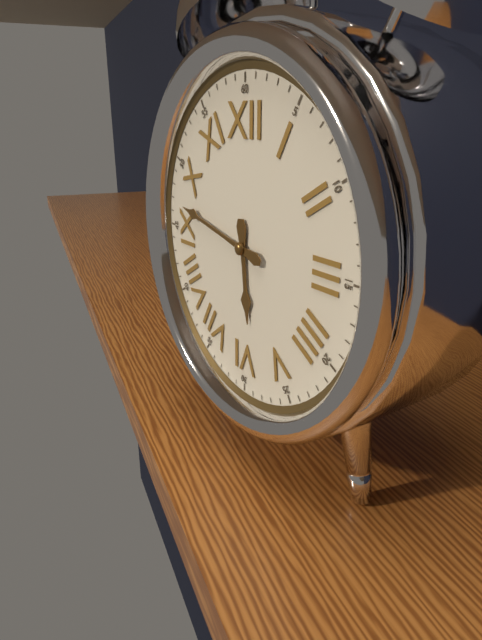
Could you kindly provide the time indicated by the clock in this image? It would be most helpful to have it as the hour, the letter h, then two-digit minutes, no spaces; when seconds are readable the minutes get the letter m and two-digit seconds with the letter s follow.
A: 5h47
